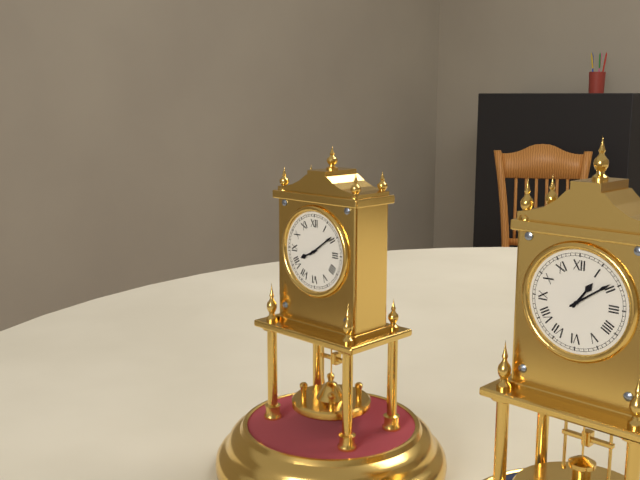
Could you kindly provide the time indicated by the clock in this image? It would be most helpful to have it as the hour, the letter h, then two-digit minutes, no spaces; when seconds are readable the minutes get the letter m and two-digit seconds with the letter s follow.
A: 8h09
